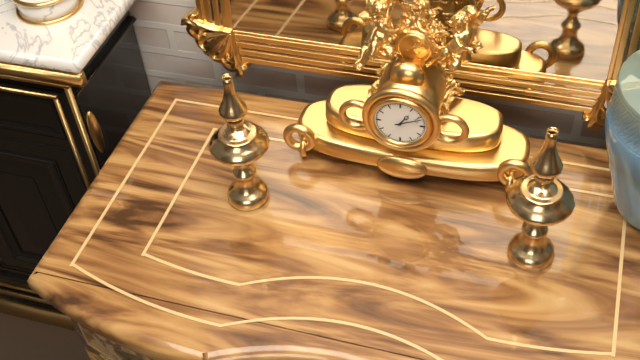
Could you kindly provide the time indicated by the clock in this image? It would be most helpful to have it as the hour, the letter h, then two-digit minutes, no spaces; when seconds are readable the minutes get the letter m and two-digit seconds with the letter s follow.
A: 1h11
